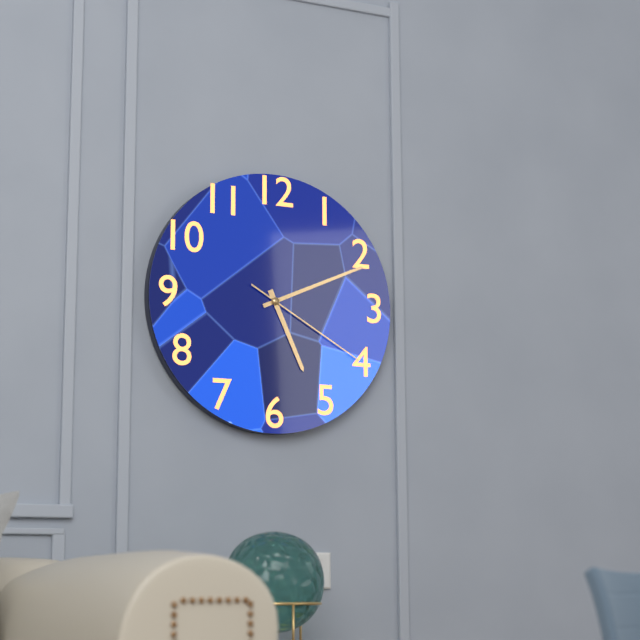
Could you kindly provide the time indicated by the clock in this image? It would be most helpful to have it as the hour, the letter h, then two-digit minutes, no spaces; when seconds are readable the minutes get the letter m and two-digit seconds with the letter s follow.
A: 5h11m20s
